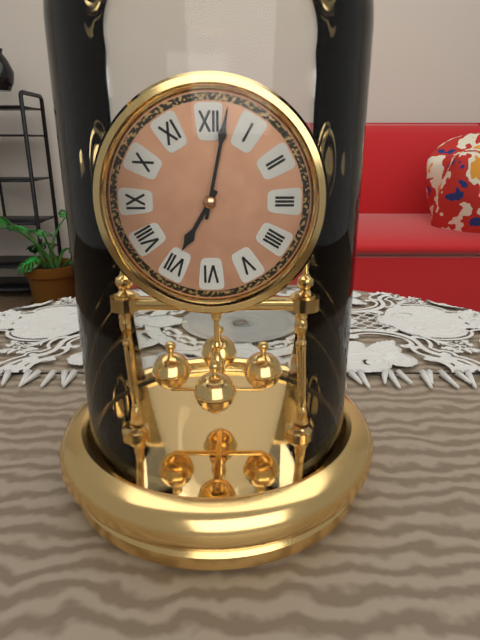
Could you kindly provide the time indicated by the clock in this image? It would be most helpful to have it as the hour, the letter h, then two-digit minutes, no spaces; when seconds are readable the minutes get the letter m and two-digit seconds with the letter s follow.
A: 7h02
